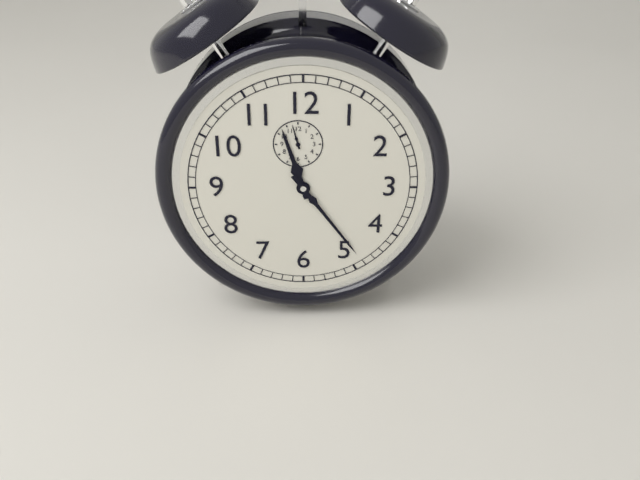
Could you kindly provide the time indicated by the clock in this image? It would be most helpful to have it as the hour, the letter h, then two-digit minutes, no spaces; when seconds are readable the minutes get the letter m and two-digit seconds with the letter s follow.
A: 11h24
